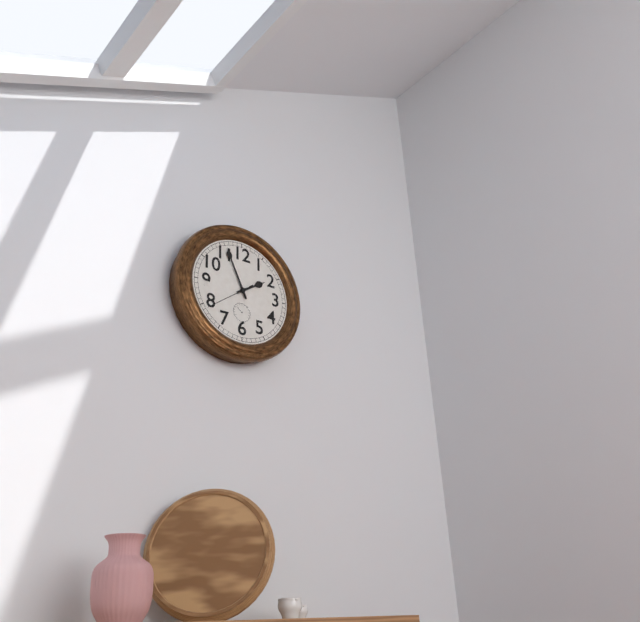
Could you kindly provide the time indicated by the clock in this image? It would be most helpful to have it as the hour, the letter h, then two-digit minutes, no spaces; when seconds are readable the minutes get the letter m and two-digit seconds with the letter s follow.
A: 1h56
